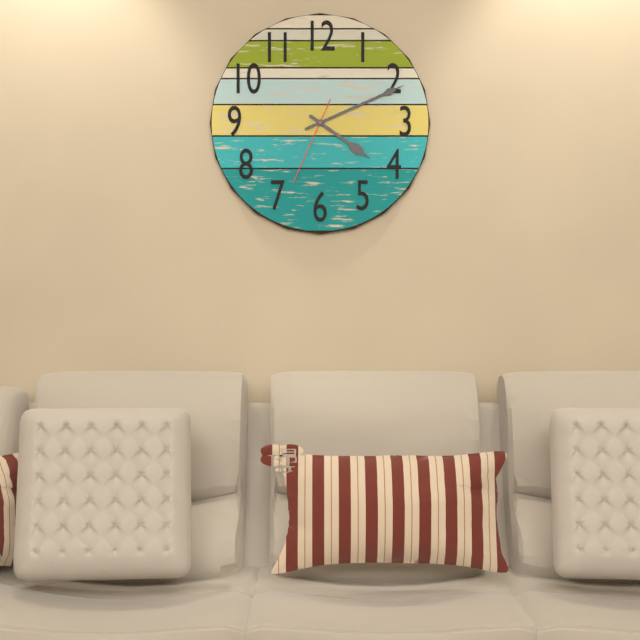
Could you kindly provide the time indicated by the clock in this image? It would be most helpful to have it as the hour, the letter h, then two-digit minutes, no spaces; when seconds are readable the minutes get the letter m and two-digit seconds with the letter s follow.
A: 4h11m34s
